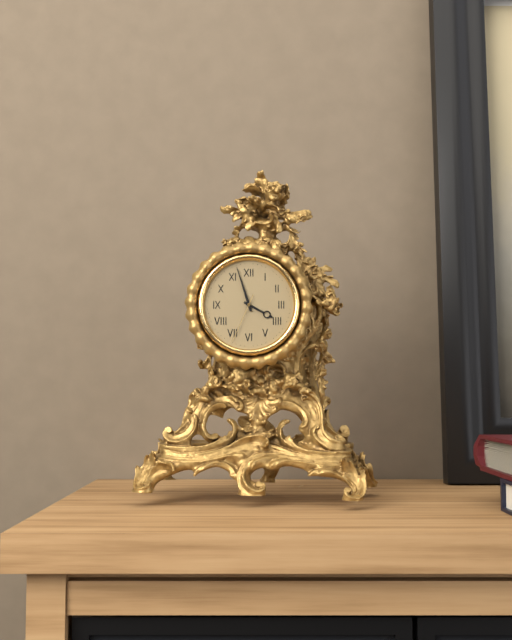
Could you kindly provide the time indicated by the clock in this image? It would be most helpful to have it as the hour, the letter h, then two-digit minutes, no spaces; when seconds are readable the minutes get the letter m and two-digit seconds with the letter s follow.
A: 3h57m34s
